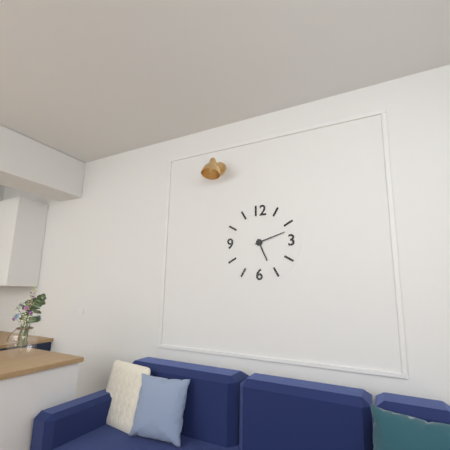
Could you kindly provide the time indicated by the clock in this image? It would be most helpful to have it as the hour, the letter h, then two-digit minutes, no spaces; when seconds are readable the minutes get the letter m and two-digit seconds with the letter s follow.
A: 5h12
